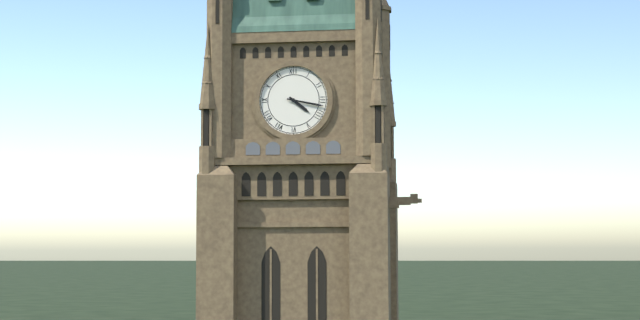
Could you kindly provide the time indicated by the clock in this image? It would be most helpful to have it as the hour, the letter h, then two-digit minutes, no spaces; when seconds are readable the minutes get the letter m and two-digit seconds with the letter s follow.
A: 4h17
